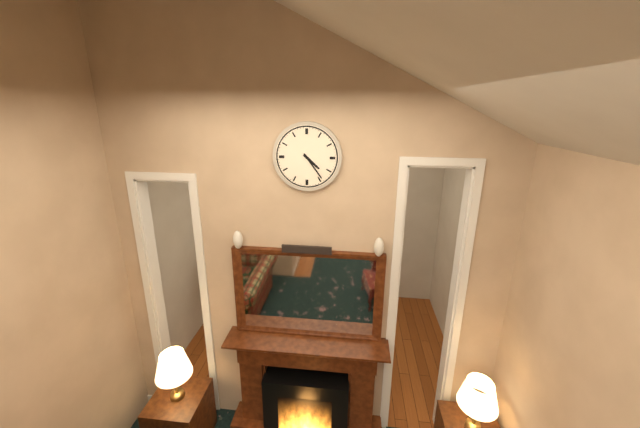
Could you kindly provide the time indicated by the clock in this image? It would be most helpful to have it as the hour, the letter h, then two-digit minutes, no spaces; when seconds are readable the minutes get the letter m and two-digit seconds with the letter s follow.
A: 4h24
